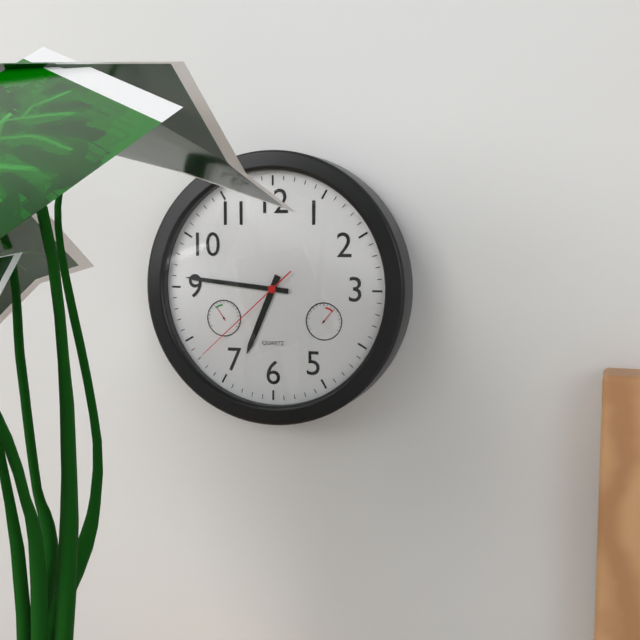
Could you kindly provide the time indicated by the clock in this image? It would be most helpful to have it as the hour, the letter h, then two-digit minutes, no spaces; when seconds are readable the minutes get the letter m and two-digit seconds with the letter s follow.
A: 6h46m38s
